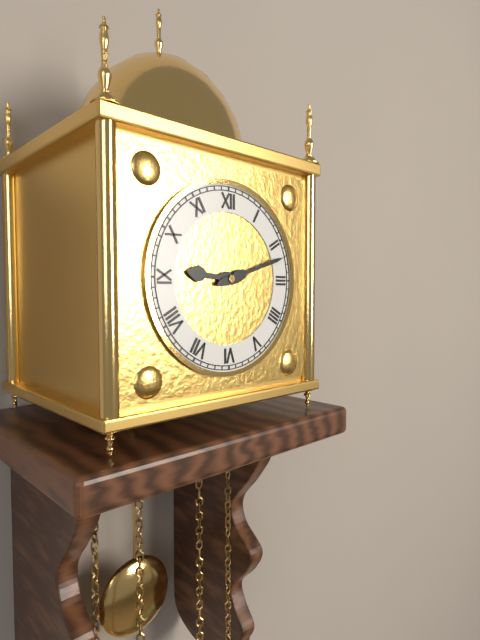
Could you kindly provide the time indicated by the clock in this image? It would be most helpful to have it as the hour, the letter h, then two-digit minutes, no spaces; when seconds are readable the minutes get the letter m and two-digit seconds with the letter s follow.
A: 9h12
